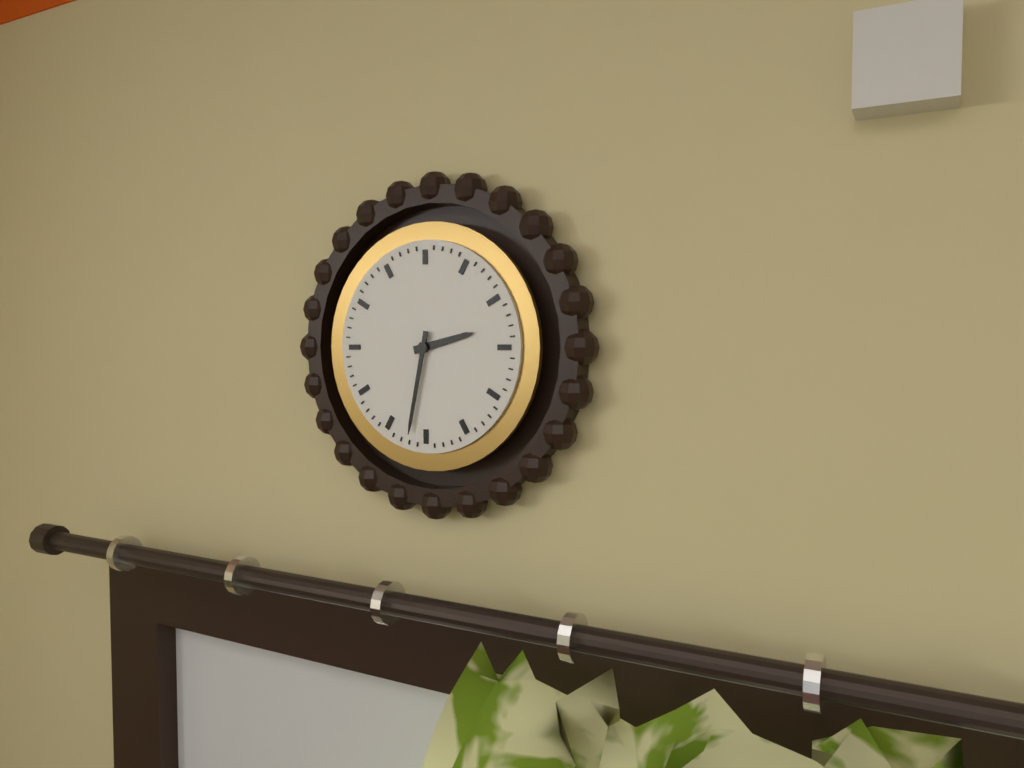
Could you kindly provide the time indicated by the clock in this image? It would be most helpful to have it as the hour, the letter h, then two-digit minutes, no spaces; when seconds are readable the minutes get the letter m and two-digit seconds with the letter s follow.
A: 2h32
